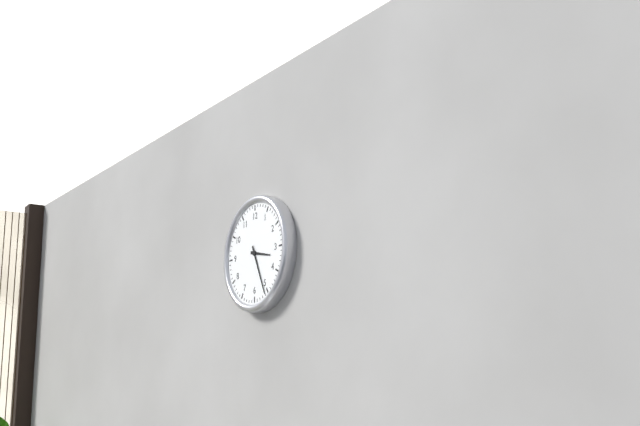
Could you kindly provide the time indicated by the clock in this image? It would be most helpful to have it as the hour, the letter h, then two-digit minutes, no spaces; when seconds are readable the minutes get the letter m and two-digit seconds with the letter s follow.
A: 3h26
